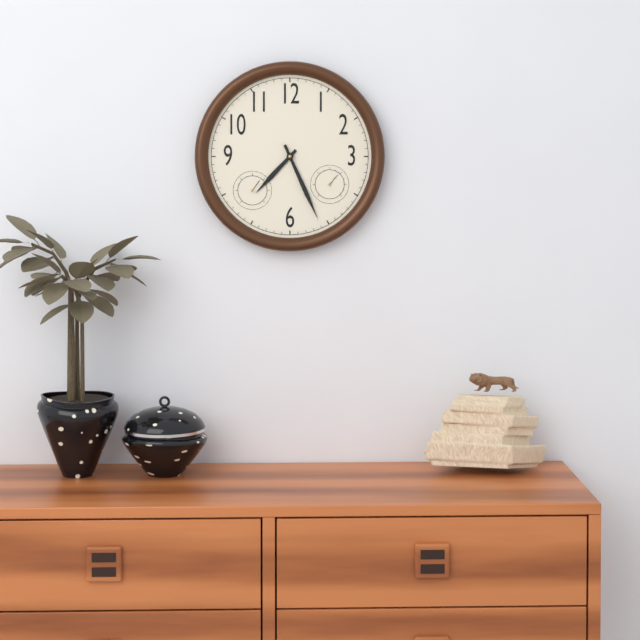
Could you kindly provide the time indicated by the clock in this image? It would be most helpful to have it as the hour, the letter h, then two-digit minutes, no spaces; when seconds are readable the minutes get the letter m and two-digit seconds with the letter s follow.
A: 7h26
